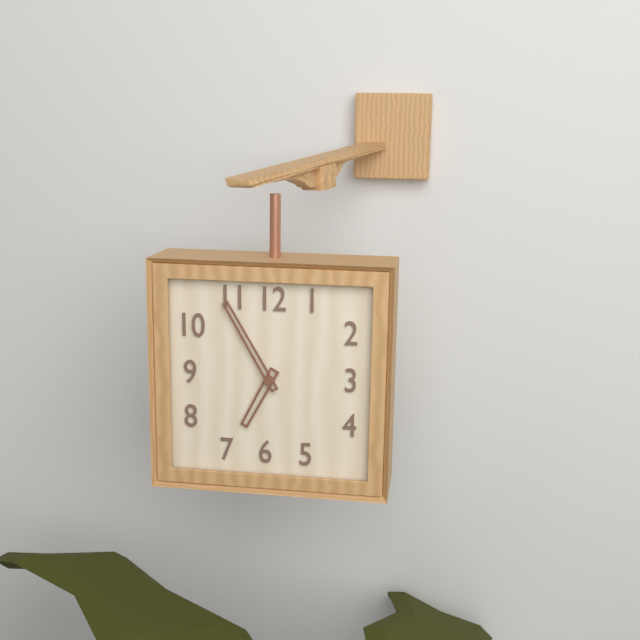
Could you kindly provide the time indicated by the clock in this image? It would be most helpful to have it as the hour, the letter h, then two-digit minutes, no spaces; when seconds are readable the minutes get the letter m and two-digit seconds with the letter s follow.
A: 6h55
